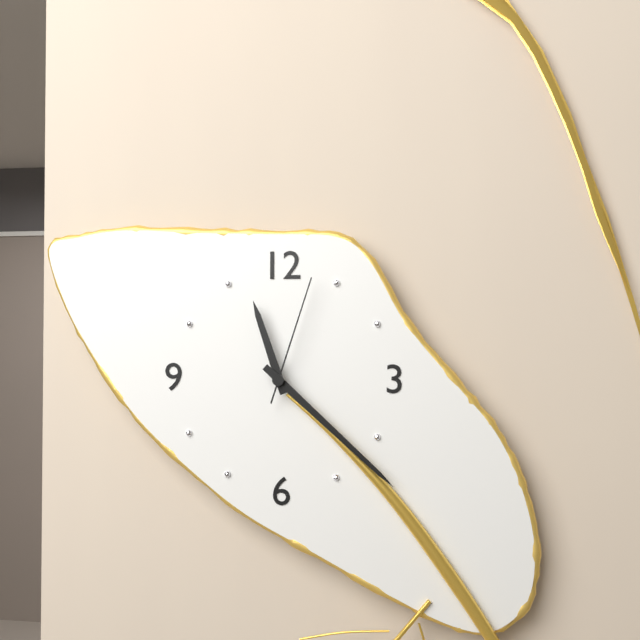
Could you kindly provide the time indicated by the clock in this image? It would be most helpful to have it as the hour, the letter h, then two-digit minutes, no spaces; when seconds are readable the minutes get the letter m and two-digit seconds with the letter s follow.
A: 11h22m03s
